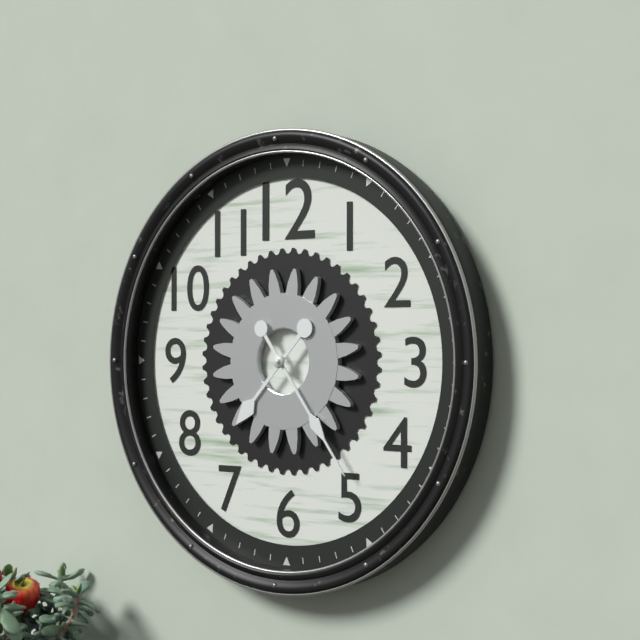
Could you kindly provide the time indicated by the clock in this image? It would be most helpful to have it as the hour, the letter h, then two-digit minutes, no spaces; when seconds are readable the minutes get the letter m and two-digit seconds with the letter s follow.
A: 7h24
